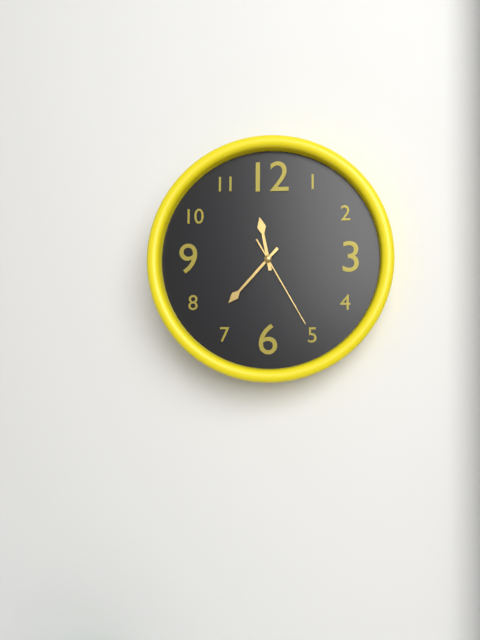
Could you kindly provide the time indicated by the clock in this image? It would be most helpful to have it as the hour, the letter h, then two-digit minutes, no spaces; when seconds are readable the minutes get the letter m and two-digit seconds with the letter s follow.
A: 11h37m25s
